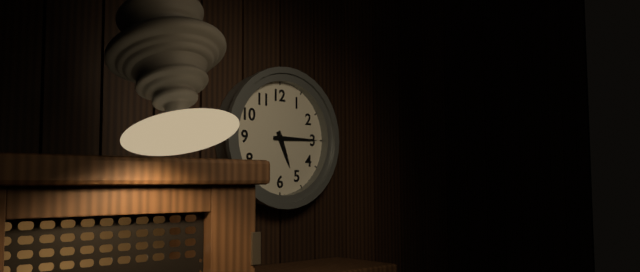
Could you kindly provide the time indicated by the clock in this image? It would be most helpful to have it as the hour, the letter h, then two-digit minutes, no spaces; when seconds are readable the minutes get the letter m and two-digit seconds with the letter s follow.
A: 5h15
